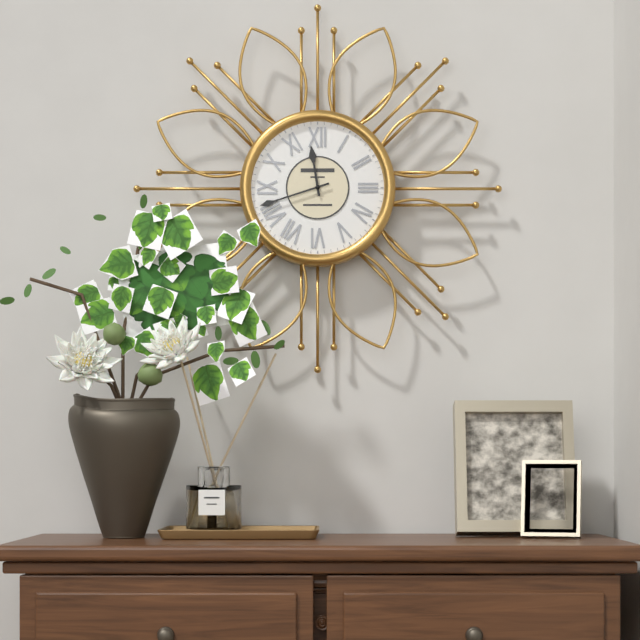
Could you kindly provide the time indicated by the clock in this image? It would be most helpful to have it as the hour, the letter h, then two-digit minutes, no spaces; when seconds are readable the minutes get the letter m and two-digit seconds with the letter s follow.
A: 11h42
